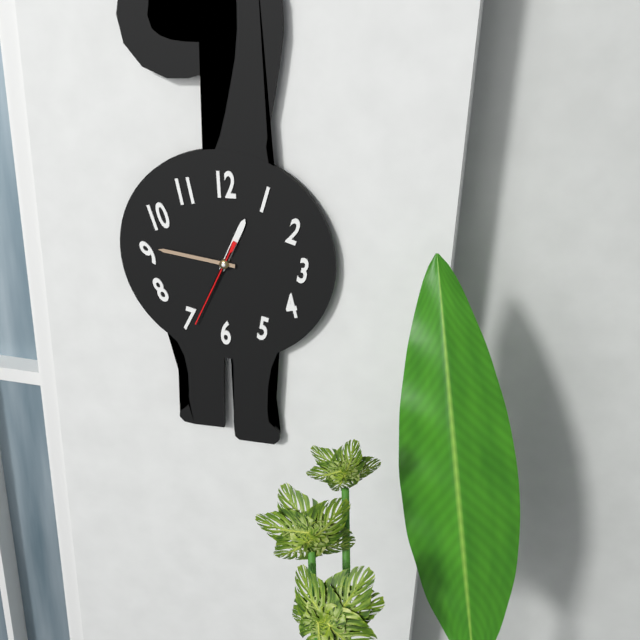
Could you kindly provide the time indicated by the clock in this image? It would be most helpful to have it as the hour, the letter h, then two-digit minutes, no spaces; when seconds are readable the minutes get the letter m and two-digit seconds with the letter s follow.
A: 12h46m34s
